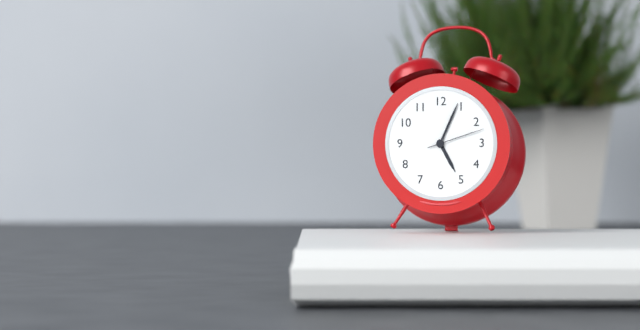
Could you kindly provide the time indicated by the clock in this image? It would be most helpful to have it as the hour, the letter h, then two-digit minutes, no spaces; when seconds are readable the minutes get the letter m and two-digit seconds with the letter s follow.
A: 5h04m12s
